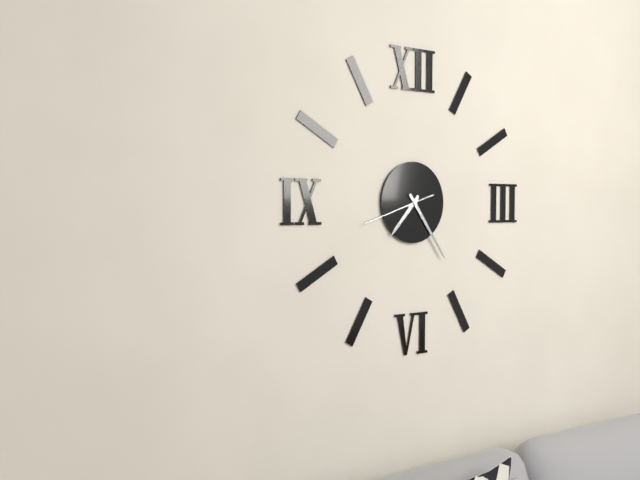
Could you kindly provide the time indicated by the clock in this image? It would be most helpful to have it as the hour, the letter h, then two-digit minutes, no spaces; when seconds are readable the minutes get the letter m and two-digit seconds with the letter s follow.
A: 7h24m42s
